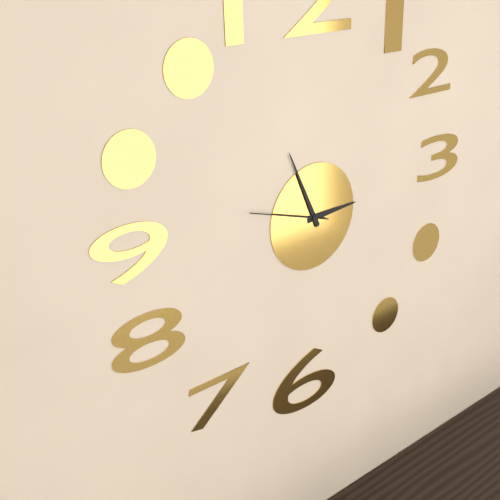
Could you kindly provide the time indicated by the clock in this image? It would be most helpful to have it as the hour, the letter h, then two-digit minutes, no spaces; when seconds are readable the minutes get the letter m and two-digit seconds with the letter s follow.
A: 2h56m48s
